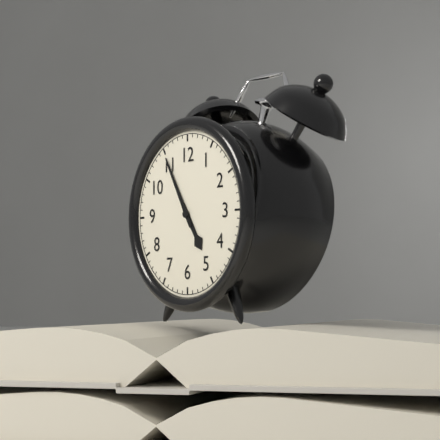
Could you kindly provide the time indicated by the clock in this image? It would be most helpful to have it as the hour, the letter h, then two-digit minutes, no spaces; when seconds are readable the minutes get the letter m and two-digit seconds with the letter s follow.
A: 4h55
